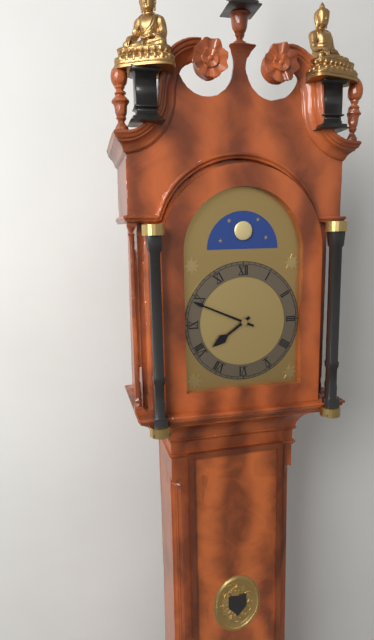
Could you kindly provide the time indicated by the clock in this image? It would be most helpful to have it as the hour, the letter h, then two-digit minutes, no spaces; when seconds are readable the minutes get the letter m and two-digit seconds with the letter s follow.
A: 7h49
